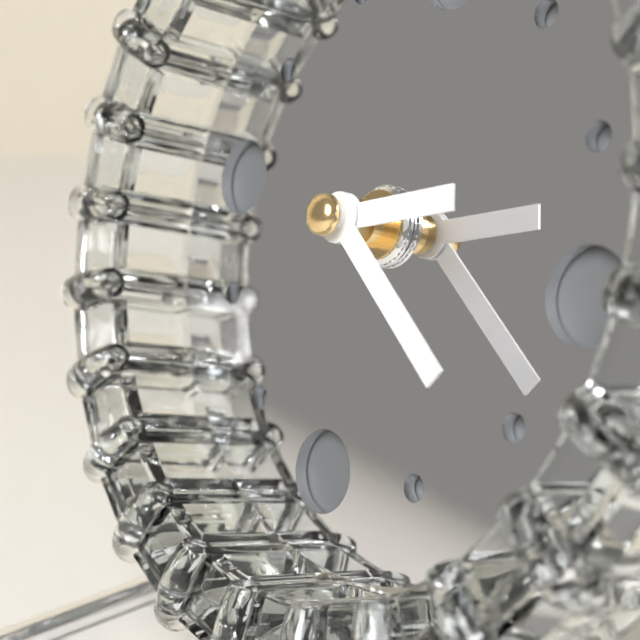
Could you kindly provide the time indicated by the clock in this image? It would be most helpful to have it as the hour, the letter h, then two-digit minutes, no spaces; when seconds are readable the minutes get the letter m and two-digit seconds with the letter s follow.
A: 2h20
